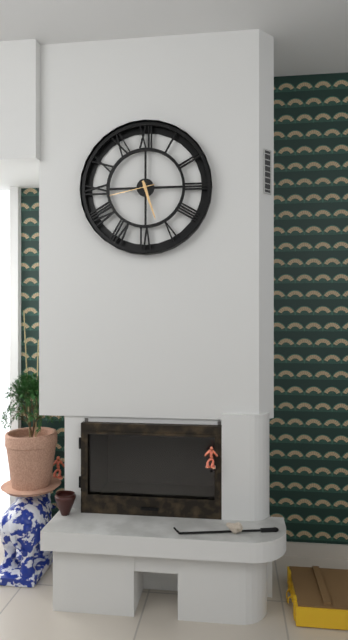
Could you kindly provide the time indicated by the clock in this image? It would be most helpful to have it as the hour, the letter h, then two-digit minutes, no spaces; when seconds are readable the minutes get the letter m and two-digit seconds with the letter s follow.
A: 5h27
